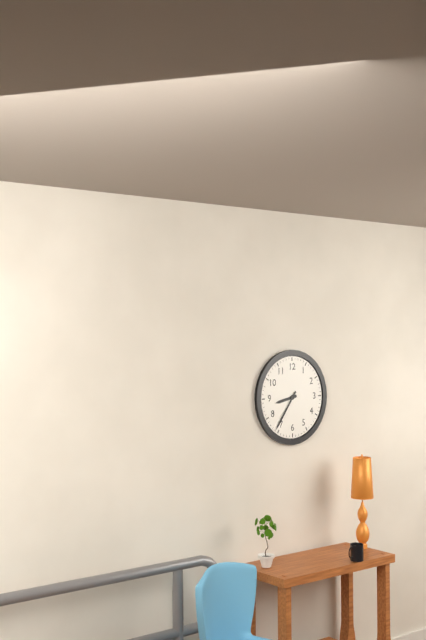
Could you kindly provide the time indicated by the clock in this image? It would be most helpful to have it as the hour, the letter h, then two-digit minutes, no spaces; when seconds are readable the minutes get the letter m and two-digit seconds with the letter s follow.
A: 8h36
